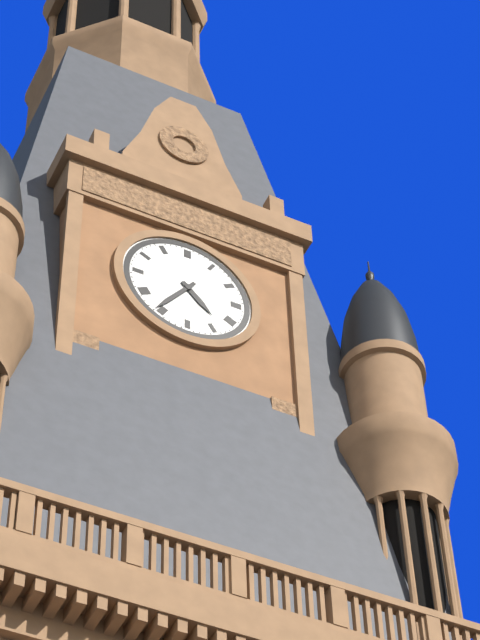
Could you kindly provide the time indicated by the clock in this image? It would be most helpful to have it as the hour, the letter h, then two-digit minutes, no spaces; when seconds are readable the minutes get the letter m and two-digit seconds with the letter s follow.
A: 4h36
